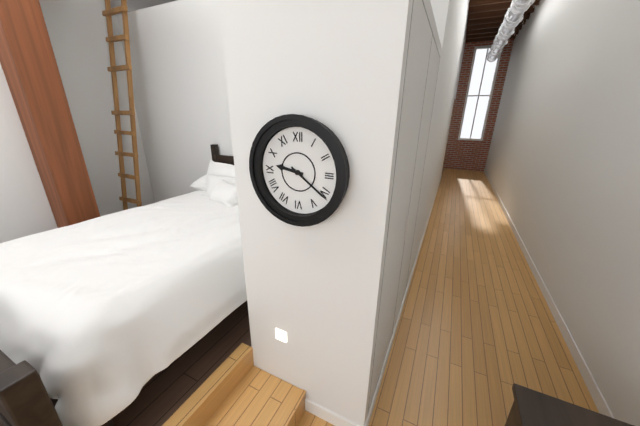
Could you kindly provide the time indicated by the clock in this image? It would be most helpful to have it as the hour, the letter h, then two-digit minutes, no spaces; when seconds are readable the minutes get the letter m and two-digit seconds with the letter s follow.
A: 9h21
